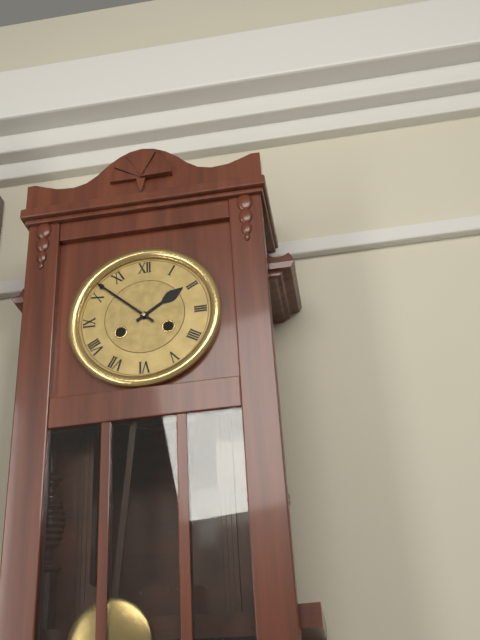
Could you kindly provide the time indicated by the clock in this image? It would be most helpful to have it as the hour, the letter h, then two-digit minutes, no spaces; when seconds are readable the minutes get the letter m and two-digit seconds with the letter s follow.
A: 1h52
